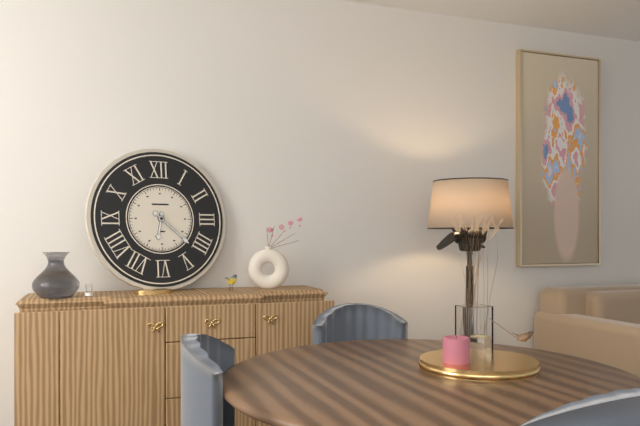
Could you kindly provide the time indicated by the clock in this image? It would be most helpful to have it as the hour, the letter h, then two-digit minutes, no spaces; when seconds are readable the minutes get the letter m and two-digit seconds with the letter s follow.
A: 6h22
